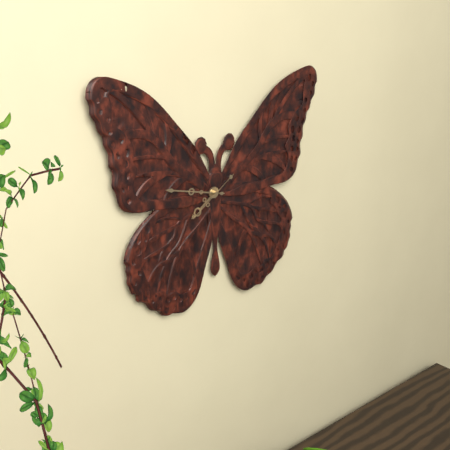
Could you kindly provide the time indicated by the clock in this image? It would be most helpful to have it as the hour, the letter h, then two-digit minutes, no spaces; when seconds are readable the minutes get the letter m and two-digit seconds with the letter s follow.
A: 7h47
